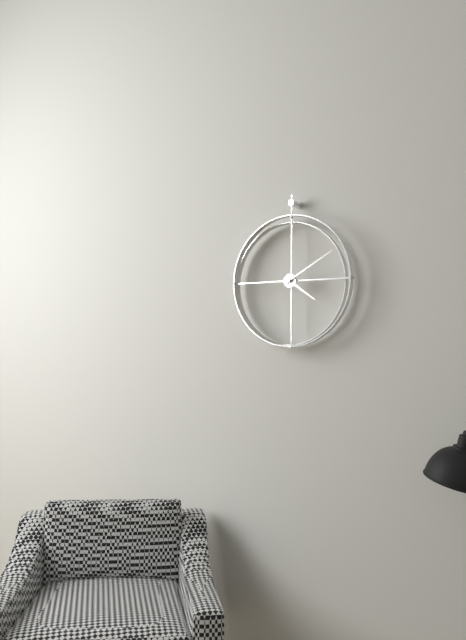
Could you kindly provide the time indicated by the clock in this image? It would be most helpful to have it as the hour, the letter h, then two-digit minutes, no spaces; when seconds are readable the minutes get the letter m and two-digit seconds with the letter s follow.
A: 4h10
